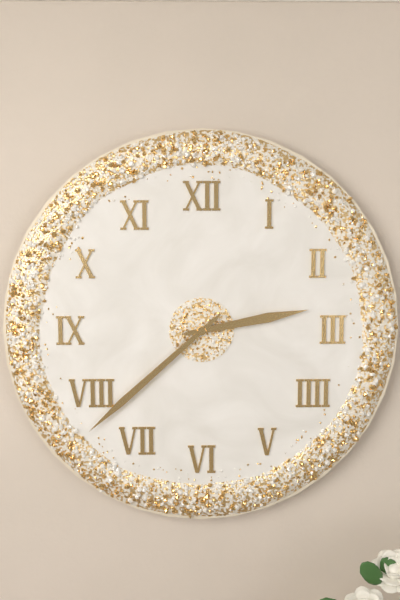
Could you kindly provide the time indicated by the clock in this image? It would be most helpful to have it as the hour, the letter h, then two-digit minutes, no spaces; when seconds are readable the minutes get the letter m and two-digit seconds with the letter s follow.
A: 2h38
